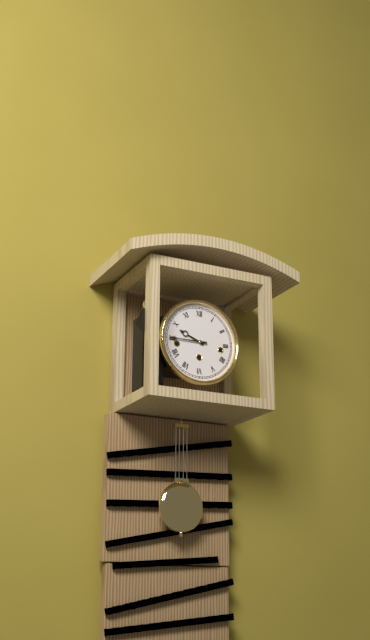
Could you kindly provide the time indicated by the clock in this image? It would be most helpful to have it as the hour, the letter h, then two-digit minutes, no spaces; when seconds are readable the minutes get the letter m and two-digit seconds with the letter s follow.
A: 9h45
